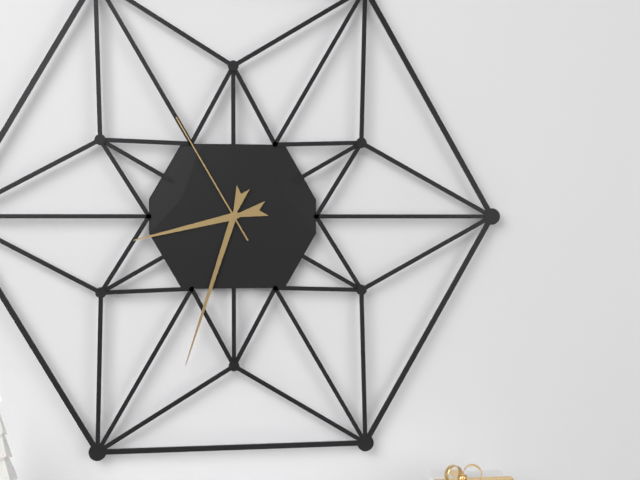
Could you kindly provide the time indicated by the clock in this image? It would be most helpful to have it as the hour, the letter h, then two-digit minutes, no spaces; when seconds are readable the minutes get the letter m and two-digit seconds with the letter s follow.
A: 8h33m55s
